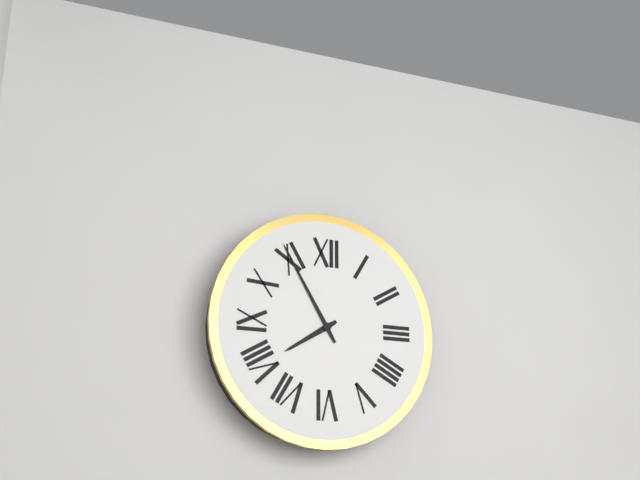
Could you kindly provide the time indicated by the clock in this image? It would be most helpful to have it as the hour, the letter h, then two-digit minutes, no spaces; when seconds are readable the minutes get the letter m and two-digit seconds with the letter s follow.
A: 7h55
